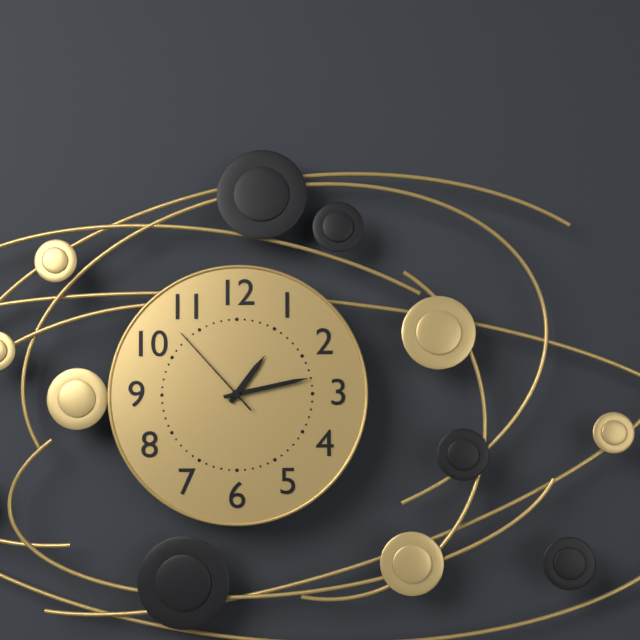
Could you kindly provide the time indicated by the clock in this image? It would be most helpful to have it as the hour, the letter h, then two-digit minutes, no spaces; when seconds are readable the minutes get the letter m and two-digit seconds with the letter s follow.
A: 1h13m53s
